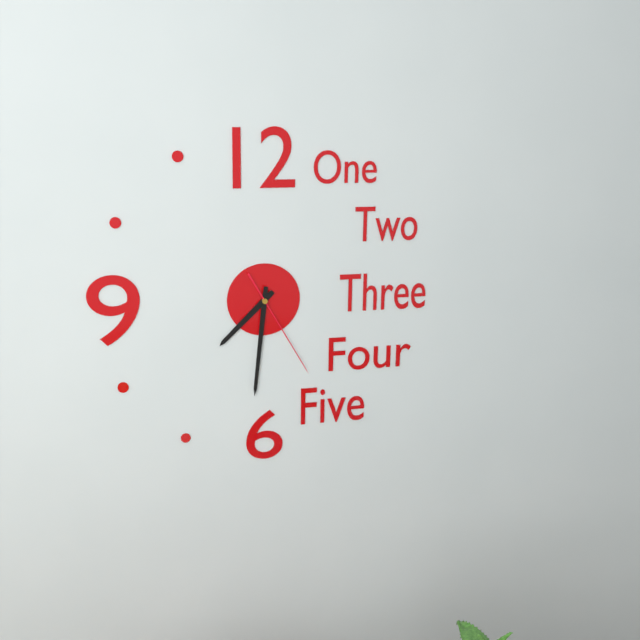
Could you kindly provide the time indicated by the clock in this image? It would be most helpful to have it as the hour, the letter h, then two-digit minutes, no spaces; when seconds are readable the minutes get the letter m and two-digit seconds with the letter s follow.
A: 7h31m25s
